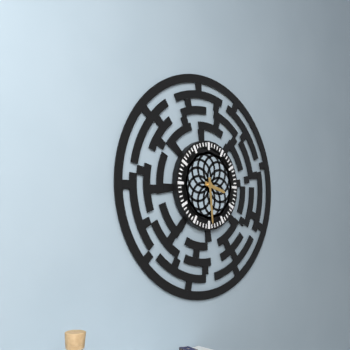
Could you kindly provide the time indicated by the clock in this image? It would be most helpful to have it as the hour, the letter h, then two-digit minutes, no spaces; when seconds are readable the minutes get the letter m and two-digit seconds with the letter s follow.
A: 3h29
